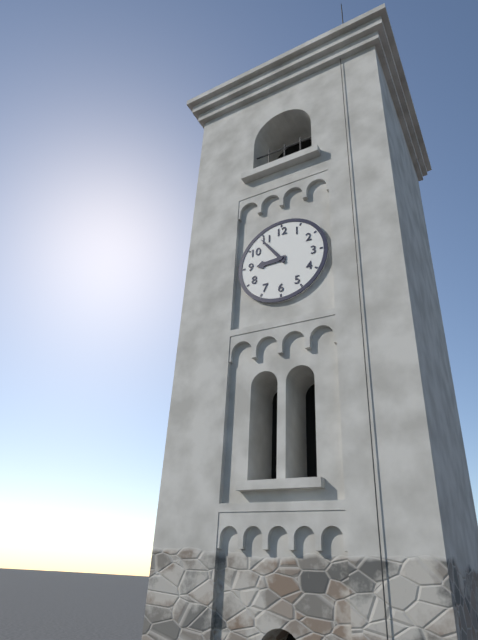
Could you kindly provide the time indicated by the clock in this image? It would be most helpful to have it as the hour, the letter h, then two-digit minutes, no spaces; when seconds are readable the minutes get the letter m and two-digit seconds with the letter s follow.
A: 8h54
